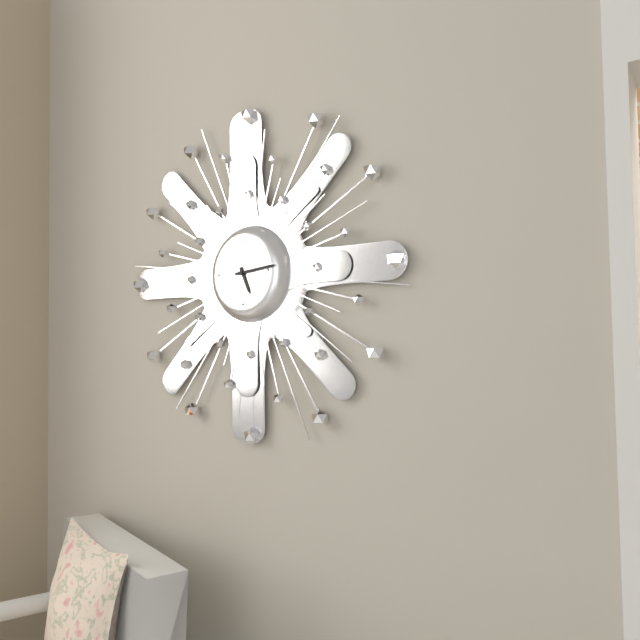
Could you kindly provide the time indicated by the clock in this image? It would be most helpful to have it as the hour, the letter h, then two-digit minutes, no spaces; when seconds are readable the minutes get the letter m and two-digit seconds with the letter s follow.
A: 5h14
